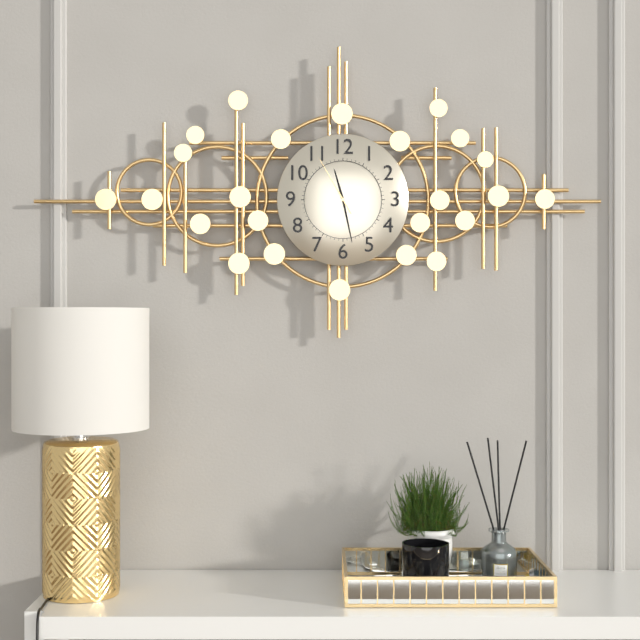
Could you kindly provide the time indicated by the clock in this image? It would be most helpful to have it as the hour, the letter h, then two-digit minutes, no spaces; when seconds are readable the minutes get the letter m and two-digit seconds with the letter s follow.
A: 11h28m55s
